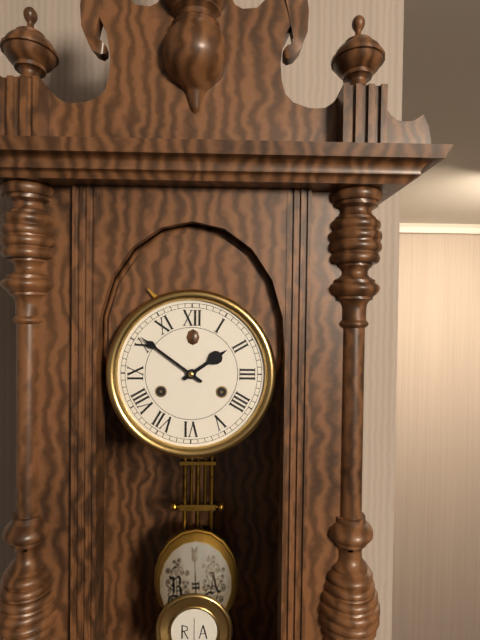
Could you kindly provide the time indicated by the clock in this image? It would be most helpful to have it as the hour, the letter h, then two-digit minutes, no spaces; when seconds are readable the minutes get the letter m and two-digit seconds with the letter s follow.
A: 1h51
